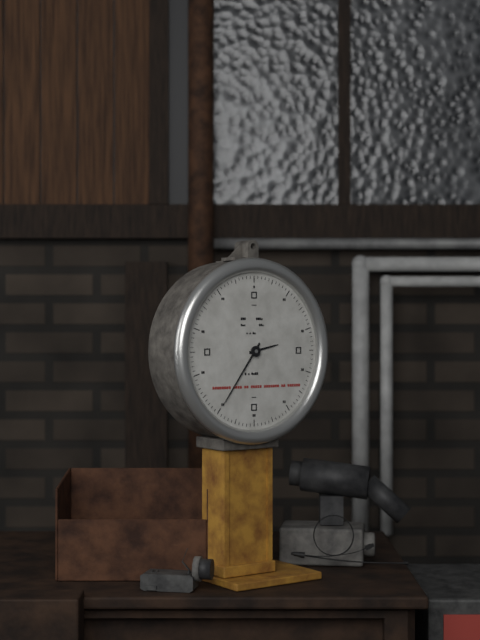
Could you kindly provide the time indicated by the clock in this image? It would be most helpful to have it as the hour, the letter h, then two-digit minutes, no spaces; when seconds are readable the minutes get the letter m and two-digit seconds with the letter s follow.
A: 2h36
